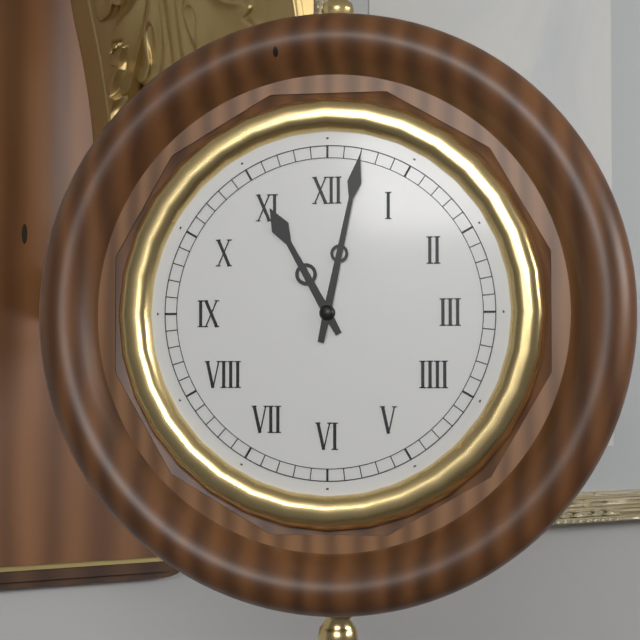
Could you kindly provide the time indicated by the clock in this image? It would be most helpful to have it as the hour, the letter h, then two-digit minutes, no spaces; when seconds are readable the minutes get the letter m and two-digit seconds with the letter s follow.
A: 11h02
